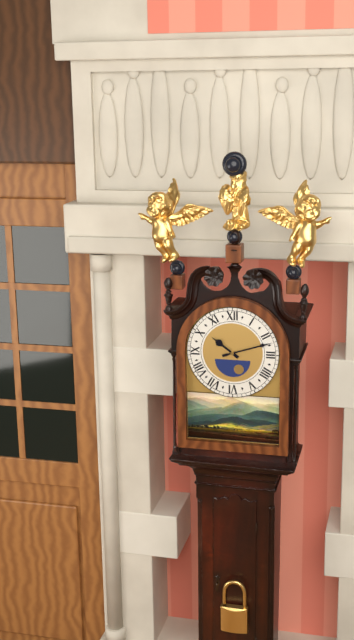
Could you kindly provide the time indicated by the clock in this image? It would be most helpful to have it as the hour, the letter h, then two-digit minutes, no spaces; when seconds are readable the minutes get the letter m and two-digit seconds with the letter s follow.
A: 10h12
